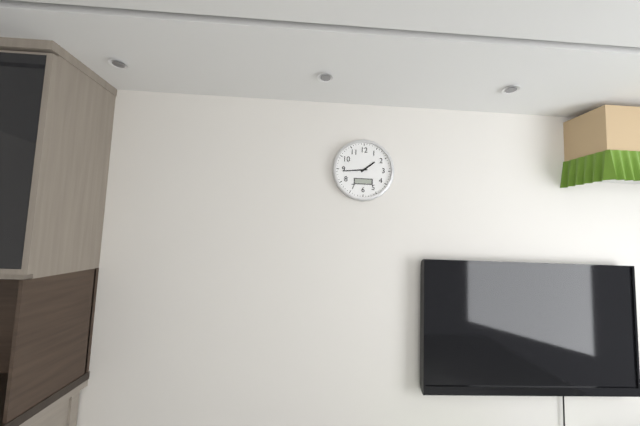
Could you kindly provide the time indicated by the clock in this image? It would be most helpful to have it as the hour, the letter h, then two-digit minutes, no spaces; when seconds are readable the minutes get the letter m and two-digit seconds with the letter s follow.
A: 1h44
